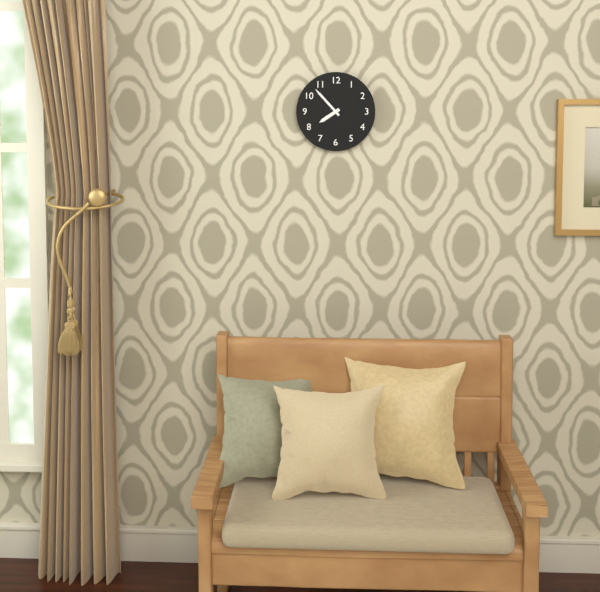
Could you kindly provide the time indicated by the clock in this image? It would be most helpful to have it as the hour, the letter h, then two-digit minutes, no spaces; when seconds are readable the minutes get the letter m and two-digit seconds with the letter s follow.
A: 7h53
